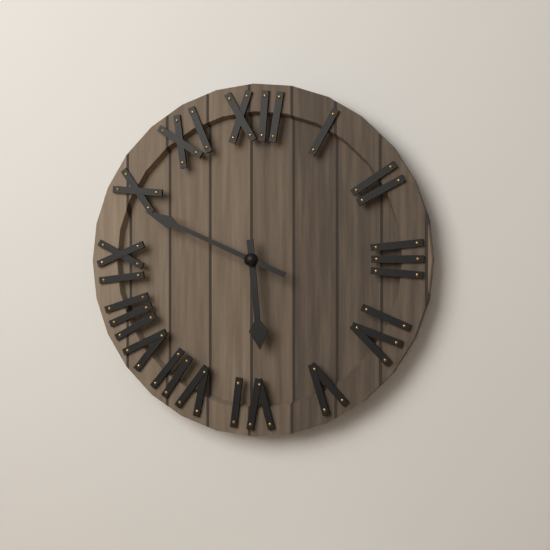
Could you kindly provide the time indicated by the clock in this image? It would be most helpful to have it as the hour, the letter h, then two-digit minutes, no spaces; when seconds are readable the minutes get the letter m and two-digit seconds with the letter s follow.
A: 5h49
